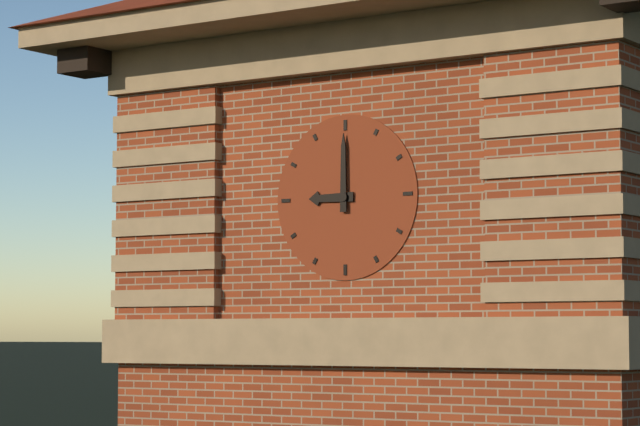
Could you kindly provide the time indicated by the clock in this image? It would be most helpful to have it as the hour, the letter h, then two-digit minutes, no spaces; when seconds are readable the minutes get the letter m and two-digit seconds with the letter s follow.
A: 9h00
